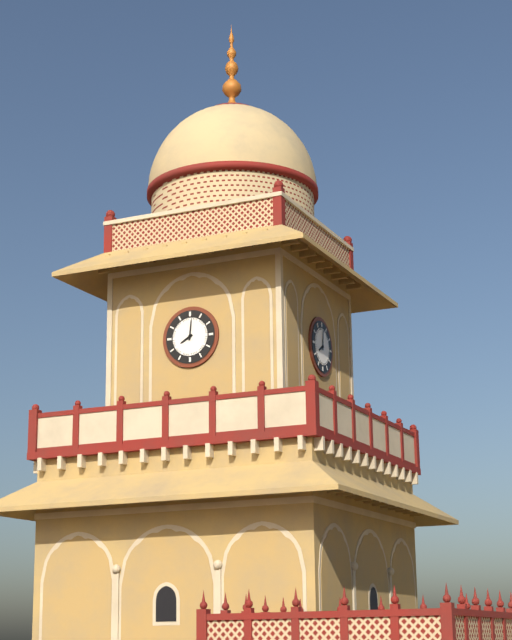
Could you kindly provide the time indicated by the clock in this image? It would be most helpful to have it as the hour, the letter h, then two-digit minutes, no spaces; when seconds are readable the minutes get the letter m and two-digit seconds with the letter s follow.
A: 8h01
